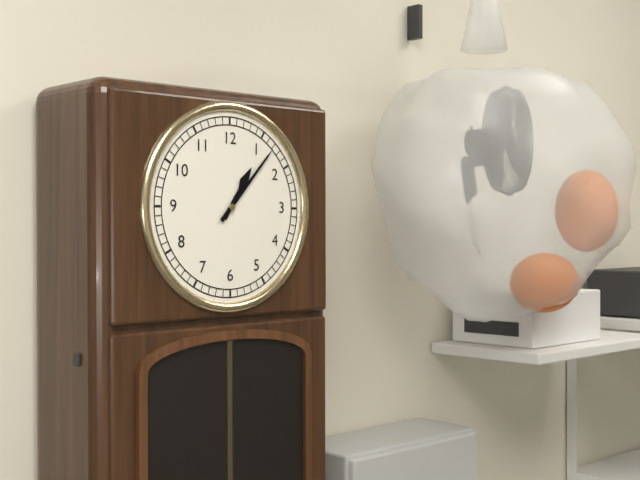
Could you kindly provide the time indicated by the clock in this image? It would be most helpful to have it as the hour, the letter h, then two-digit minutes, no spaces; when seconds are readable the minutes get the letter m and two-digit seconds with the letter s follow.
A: 1h07
